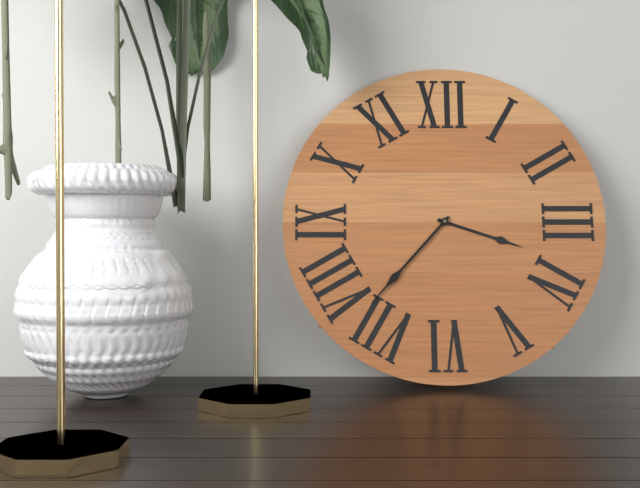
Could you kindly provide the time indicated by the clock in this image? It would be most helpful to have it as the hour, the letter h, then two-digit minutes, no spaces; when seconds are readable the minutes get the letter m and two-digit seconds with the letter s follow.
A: 3h37
